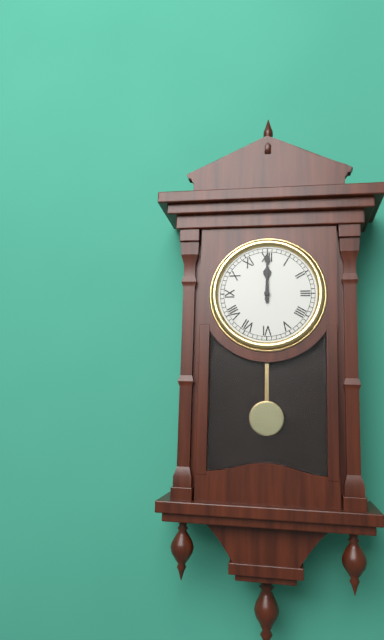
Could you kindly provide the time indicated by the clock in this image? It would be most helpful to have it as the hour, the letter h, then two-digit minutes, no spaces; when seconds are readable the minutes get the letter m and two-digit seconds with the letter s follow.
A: 12h00
